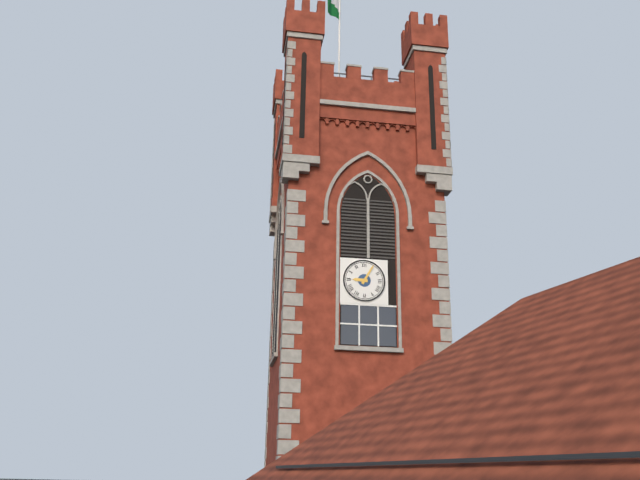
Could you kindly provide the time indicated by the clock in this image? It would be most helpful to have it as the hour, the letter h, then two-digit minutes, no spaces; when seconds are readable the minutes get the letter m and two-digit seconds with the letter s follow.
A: 9h05
